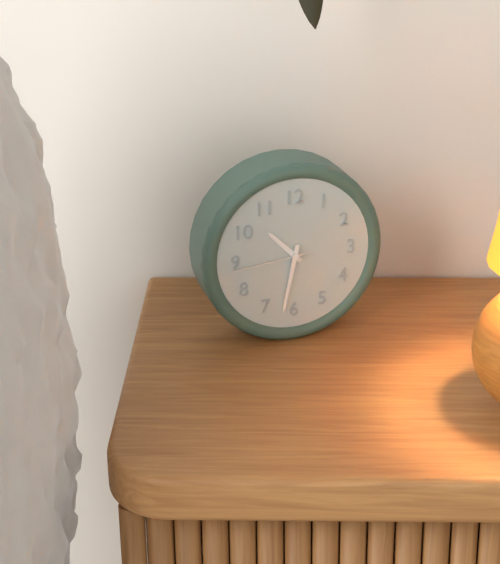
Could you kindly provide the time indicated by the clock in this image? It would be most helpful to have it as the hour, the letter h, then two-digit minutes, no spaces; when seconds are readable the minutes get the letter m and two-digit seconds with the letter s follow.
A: 10h32m44s
